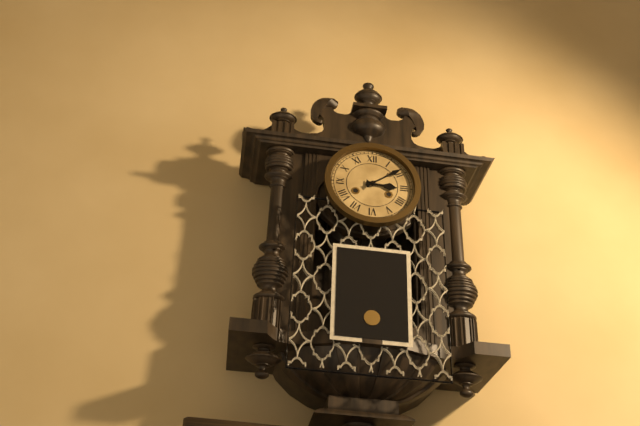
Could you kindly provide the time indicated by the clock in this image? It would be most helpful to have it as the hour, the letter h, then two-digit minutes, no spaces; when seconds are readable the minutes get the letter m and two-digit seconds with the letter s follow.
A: 3h09
